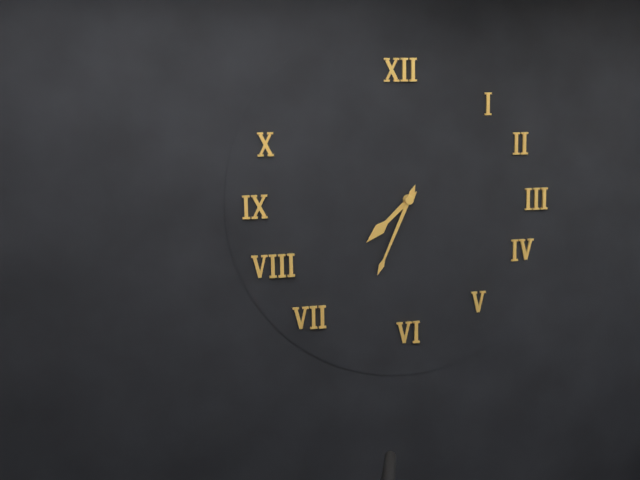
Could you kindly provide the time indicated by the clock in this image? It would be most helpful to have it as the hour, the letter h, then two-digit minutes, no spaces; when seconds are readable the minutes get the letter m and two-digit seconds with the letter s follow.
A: 7h34
